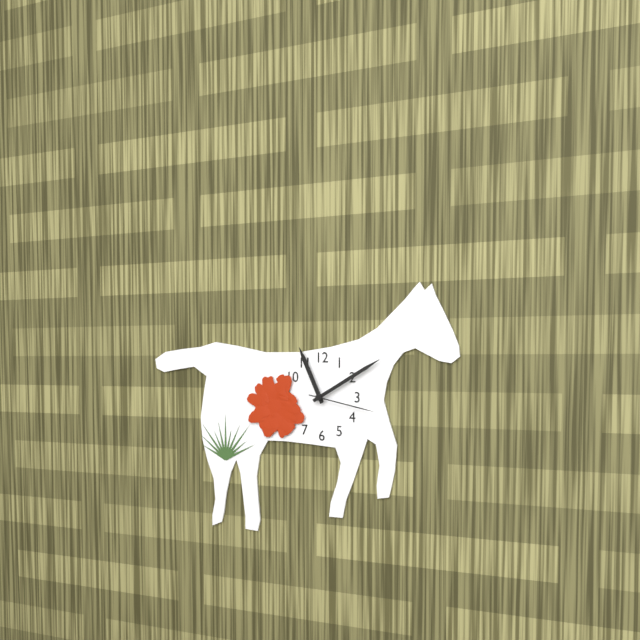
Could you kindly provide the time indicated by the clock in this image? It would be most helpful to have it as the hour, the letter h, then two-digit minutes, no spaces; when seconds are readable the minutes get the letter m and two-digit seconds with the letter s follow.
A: 11h10m17s
